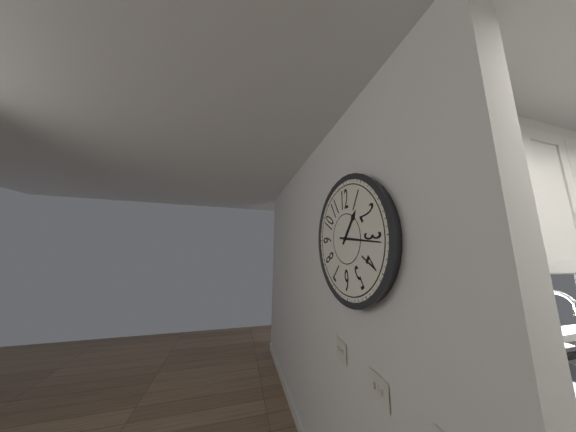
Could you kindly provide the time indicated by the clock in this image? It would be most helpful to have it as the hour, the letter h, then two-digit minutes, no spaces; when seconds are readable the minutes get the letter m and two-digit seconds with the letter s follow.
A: 1h16
